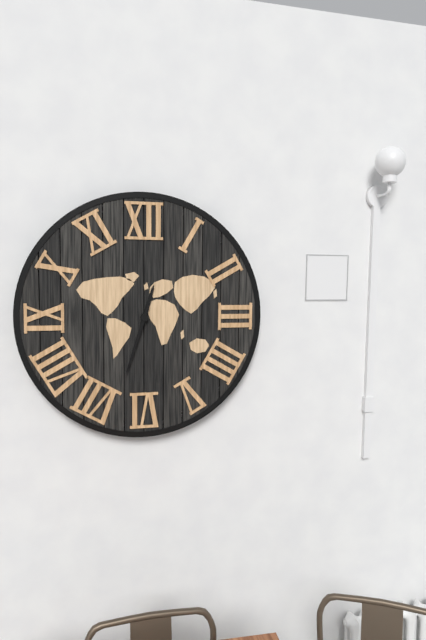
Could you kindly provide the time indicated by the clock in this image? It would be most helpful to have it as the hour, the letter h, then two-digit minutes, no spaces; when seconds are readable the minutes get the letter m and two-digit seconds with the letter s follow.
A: 12h33
